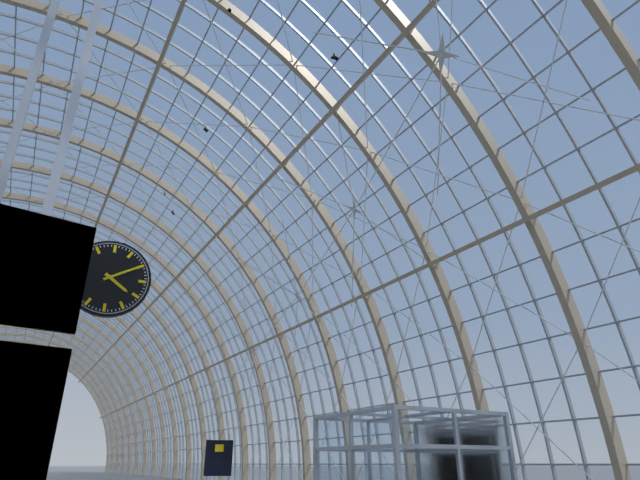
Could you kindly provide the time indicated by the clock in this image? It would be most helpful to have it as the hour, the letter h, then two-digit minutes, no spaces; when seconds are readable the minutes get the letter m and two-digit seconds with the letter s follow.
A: 4h10
